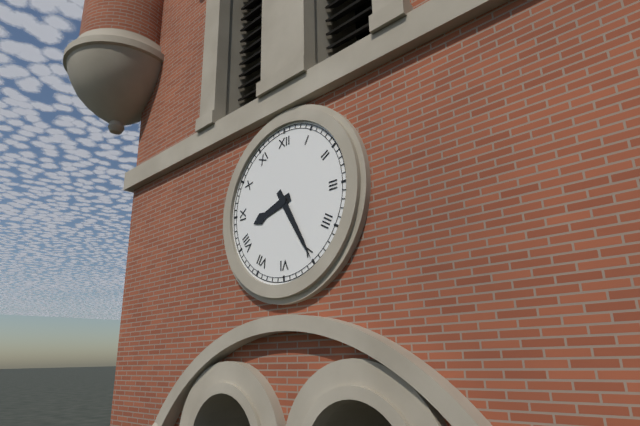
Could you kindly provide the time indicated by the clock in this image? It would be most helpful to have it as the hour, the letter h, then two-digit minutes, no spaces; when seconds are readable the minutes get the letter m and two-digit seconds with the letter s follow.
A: 8h25
